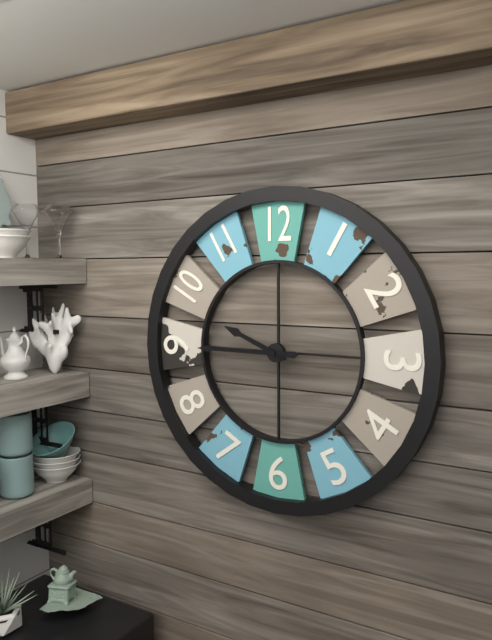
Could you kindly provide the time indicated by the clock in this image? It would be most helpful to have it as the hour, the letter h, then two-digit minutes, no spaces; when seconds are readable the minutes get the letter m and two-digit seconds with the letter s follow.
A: 9h45
